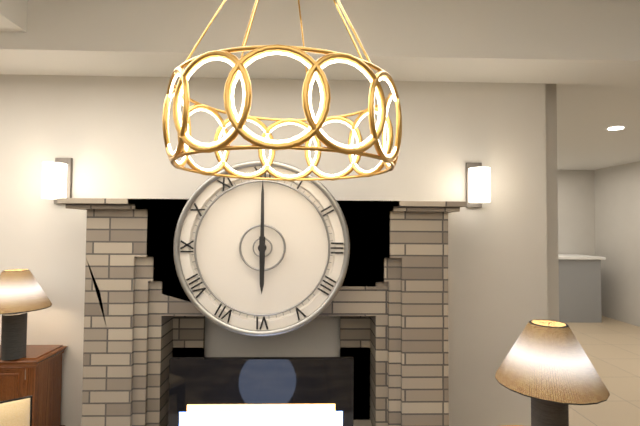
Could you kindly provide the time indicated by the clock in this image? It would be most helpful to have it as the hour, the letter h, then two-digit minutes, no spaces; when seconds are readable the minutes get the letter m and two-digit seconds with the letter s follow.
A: 6h00
